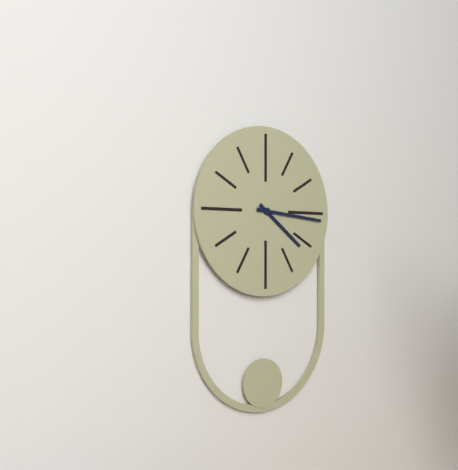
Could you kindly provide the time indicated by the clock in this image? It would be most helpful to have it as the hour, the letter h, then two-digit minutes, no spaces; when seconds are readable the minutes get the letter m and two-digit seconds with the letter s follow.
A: 4h16
